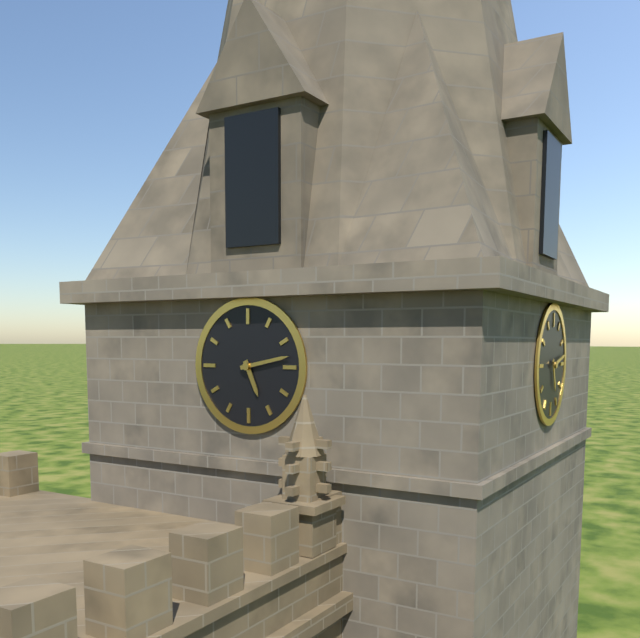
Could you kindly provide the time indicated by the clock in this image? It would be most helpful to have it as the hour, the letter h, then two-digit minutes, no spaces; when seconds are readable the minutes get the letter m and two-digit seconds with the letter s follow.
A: 5h13
